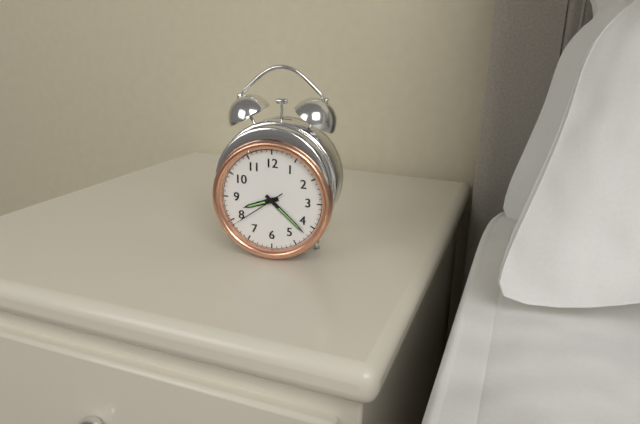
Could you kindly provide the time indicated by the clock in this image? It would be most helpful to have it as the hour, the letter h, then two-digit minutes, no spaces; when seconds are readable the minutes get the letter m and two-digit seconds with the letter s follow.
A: 8h22m39s
